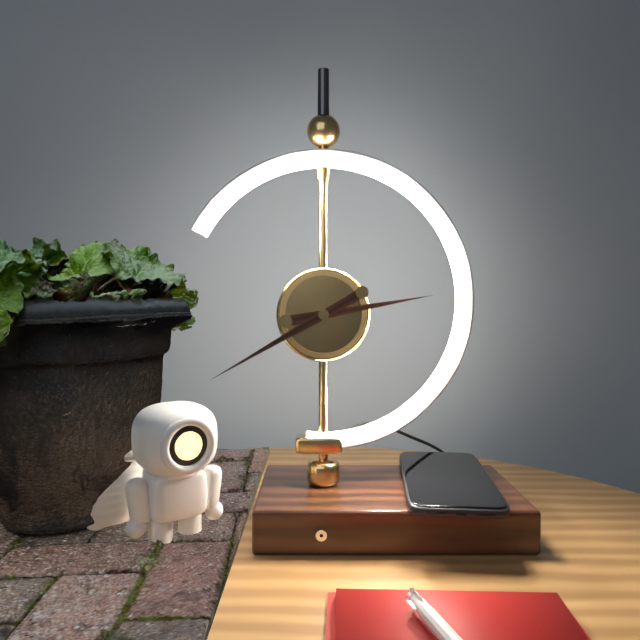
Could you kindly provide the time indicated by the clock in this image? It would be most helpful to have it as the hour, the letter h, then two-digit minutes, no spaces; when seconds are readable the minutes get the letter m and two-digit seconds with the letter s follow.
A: 2h40
